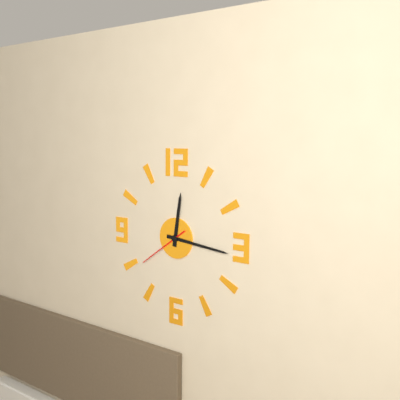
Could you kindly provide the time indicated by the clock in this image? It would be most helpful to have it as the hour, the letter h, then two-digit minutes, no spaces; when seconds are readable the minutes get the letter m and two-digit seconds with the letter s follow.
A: 12h16m39s
